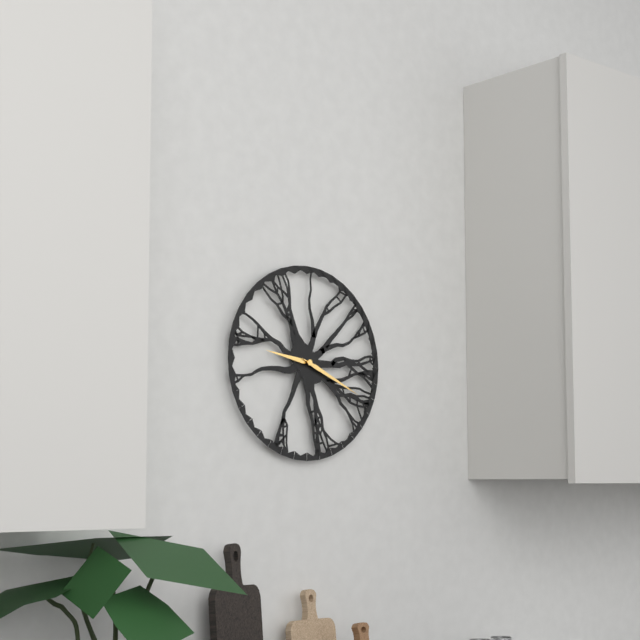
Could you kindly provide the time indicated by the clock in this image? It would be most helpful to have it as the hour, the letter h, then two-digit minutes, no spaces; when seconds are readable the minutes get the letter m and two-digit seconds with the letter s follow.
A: 9h19
